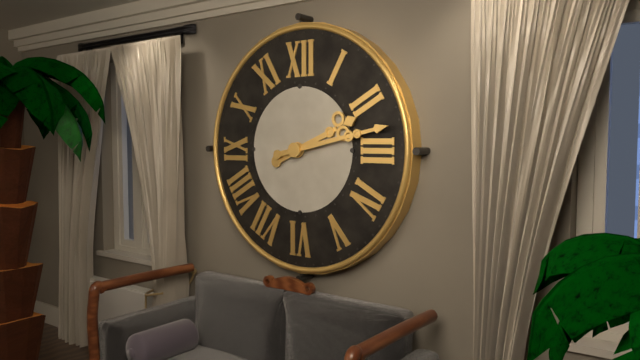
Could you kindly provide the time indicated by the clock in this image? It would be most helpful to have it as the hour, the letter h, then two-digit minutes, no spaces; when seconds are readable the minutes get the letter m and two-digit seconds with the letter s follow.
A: 2h13
